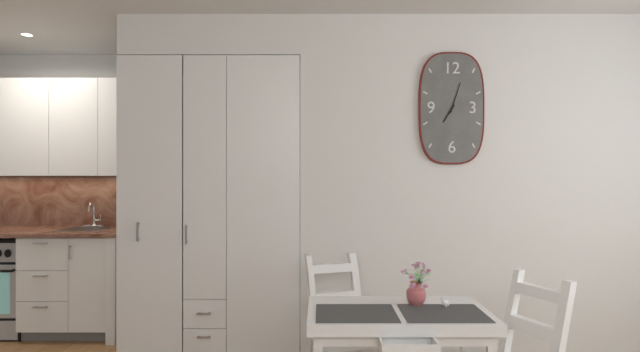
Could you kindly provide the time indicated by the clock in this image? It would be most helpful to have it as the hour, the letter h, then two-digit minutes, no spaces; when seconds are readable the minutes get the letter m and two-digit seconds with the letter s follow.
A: 7h03
